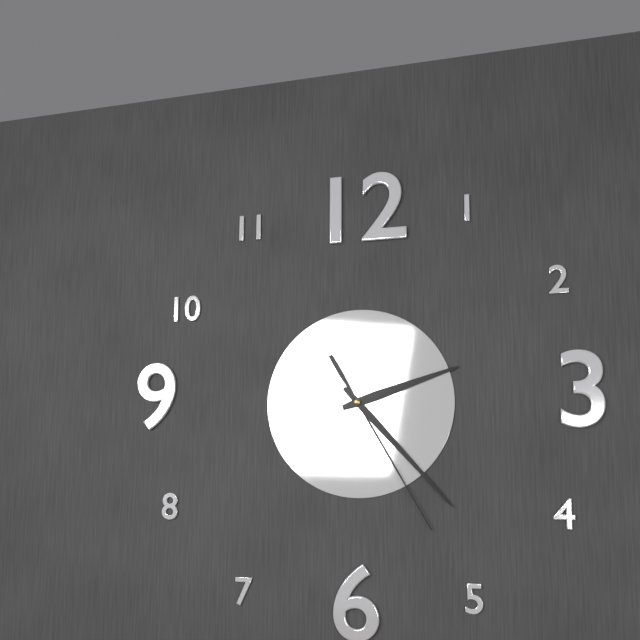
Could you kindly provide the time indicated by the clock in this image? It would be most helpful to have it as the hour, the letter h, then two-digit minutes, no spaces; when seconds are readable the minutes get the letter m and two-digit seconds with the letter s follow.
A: 2h23m25s
